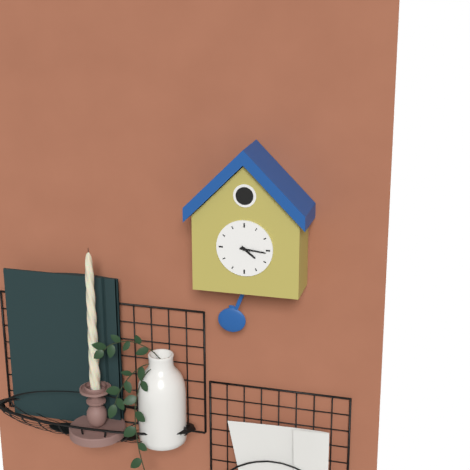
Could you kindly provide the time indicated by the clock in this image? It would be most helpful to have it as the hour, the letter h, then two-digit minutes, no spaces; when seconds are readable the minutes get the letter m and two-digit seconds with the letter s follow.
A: 4h16
